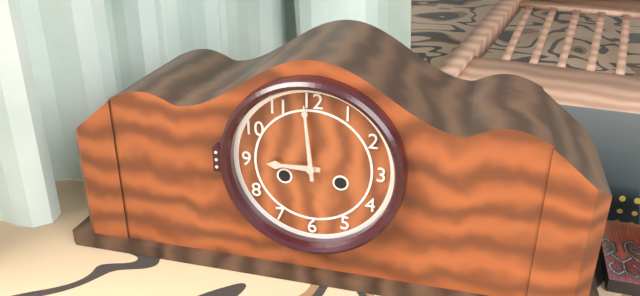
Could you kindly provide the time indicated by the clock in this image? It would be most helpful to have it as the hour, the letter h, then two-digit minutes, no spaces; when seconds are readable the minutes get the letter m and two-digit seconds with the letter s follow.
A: 8h59
